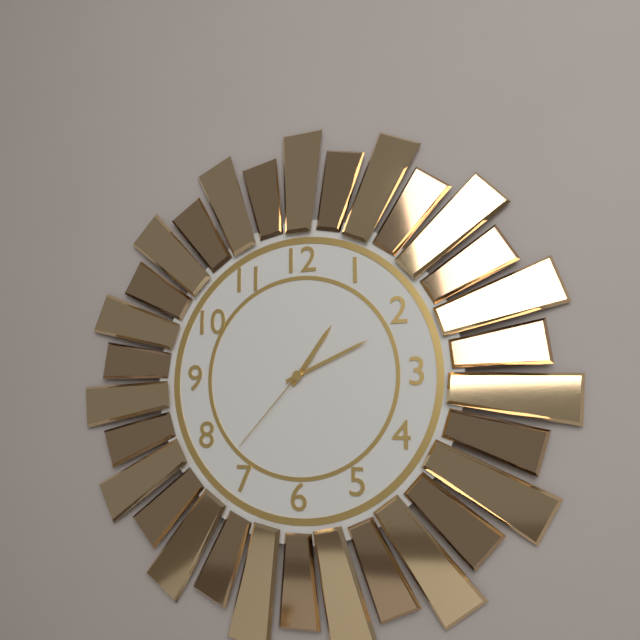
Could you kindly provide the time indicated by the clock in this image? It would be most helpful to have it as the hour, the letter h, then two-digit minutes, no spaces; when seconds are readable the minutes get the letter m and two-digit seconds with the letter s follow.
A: 1h11m37s
